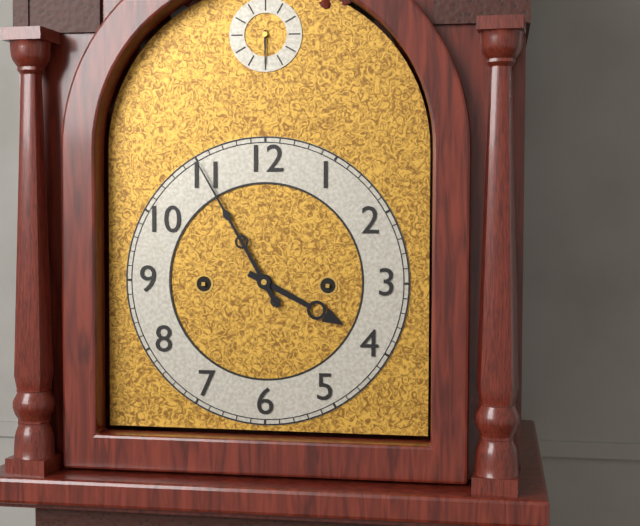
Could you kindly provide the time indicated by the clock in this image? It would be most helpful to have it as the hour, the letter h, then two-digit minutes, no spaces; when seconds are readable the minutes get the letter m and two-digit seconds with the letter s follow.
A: 3h55
